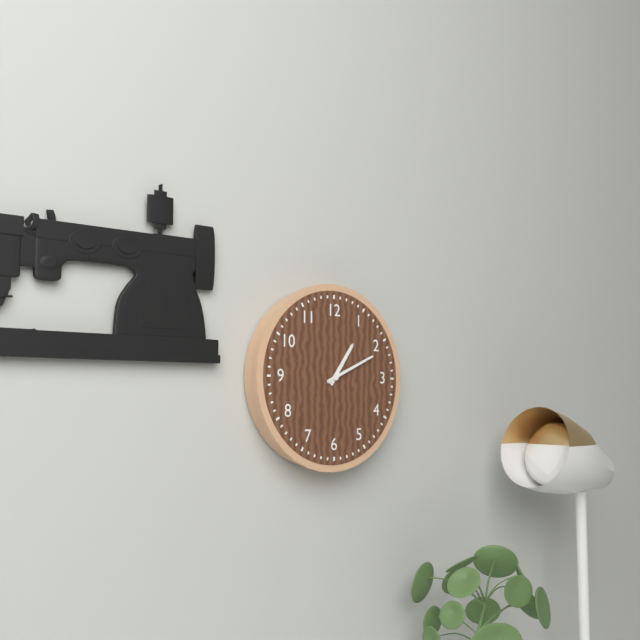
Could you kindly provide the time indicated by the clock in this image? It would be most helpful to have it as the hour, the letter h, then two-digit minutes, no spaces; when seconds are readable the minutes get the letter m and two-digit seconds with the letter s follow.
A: 1h11
